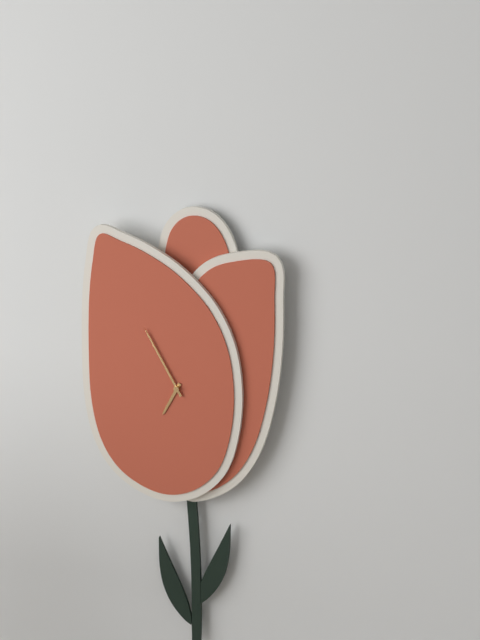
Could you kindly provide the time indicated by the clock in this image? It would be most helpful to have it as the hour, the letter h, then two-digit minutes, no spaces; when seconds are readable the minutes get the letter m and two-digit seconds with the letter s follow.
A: 6h55
